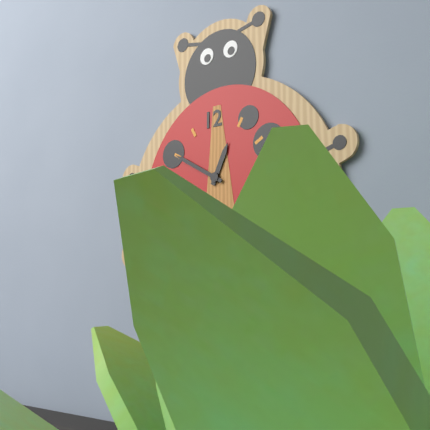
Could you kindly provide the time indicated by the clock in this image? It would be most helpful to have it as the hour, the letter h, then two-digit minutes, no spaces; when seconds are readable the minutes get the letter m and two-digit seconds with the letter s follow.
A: 12h50
